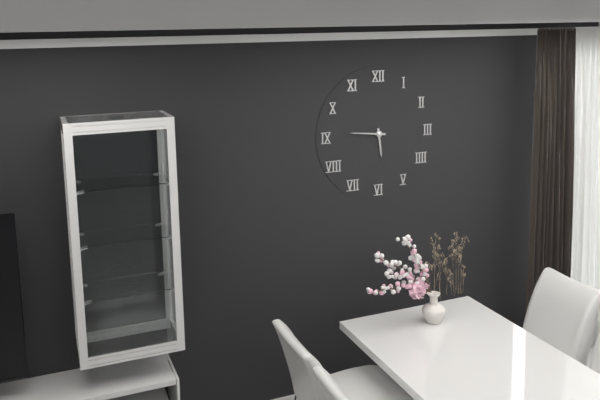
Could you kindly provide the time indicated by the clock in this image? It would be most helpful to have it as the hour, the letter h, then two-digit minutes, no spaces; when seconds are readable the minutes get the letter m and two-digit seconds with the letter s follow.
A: 5h46
